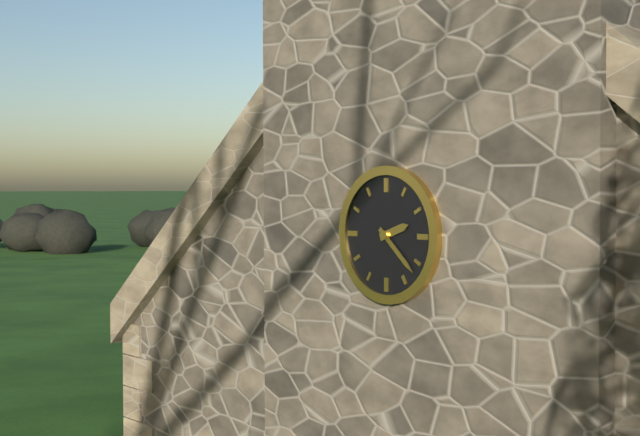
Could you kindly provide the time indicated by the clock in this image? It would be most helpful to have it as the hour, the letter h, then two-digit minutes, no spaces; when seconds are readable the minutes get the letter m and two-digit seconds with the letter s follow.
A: 2h22
